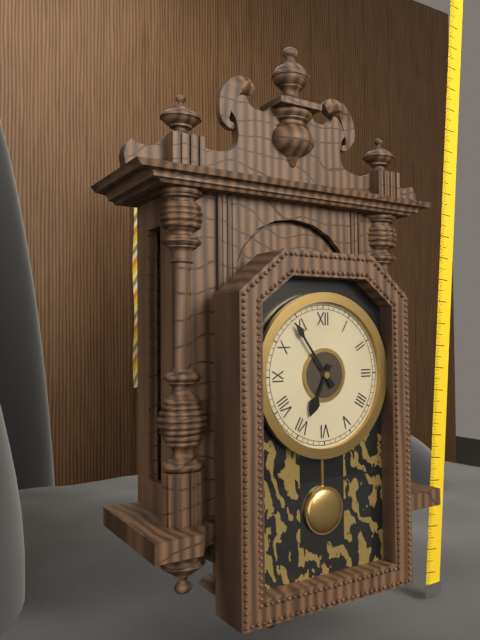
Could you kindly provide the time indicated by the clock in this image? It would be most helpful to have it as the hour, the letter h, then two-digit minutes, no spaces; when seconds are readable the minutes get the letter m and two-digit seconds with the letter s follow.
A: 6h54
